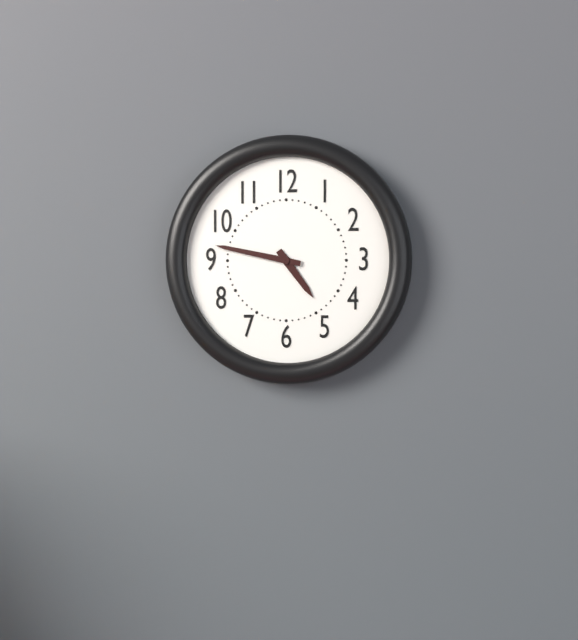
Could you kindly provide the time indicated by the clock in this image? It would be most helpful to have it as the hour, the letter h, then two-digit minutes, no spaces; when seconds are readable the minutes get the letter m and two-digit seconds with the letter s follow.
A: 4h47
